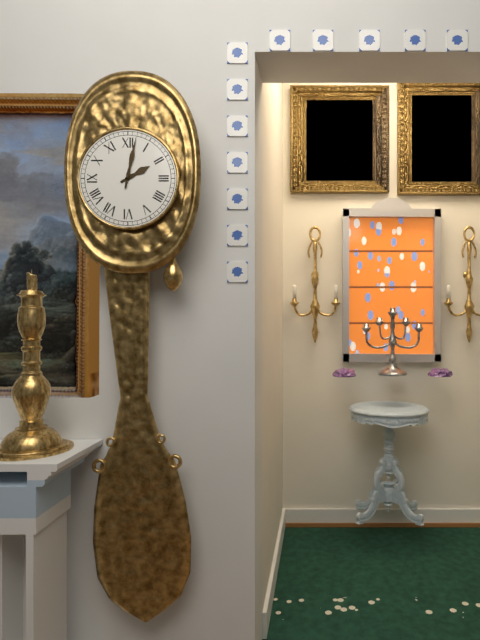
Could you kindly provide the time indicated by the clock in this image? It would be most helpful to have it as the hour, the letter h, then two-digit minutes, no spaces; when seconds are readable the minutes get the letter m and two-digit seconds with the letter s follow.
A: 2h02
